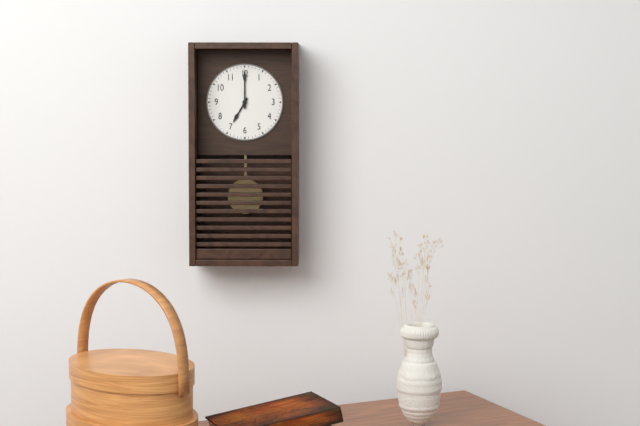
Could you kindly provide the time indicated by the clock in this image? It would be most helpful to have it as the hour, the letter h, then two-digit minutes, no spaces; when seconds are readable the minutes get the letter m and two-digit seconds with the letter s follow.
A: 7h00
